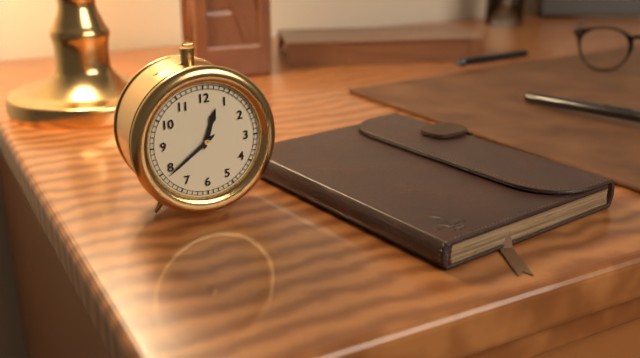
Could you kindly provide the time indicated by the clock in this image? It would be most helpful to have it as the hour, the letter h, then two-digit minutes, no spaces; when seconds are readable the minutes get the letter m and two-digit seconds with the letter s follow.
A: 12h39
